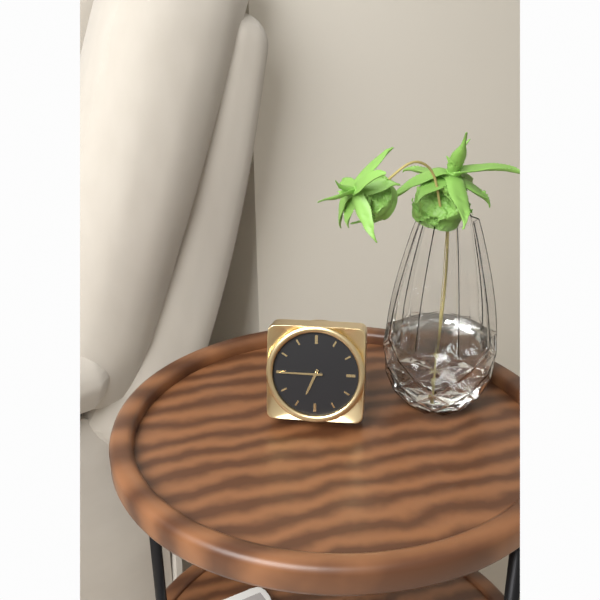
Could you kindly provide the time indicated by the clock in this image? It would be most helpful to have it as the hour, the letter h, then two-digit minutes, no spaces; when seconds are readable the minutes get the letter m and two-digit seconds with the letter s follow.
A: 6h45
